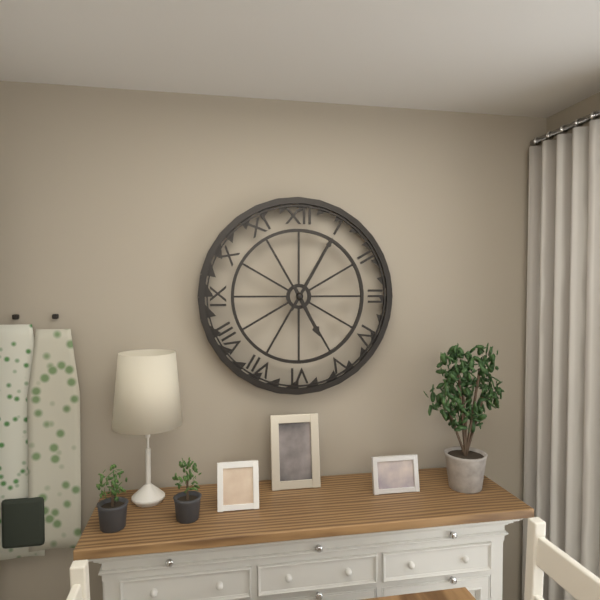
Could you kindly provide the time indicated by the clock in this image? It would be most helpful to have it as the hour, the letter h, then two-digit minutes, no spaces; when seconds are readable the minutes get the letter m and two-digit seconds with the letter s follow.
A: 5h05
